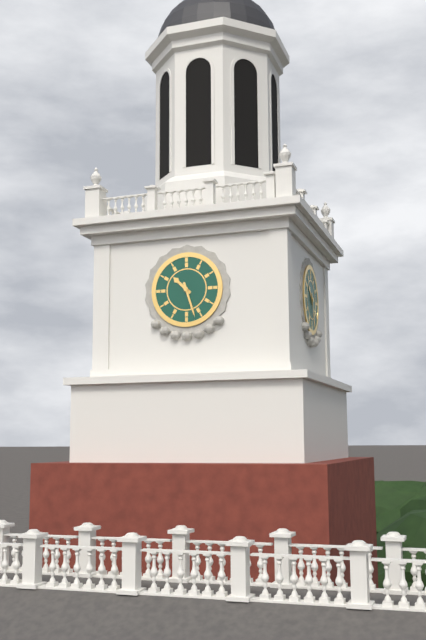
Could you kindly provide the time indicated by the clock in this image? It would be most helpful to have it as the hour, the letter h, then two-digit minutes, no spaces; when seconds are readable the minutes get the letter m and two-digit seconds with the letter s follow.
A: 10h27
